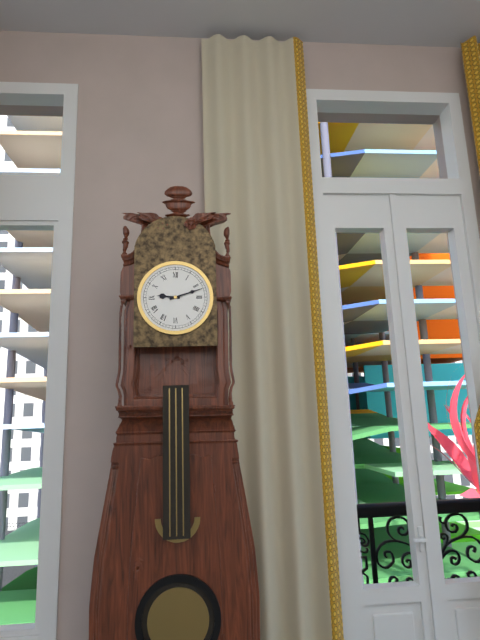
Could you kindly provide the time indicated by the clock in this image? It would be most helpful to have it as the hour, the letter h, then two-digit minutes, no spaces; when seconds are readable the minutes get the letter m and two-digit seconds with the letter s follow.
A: 9h12
